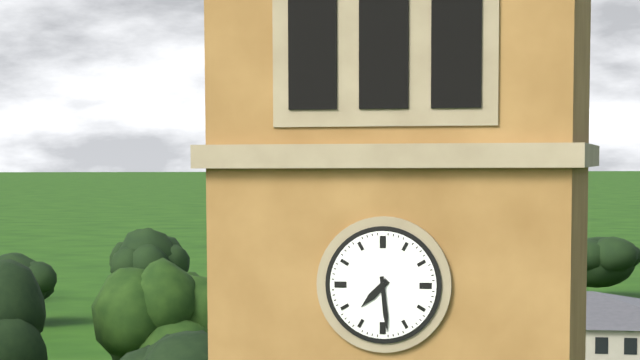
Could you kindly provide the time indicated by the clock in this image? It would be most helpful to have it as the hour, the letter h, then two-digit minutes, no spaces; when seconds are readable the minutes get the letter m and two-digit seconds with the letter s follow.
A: 7h29
